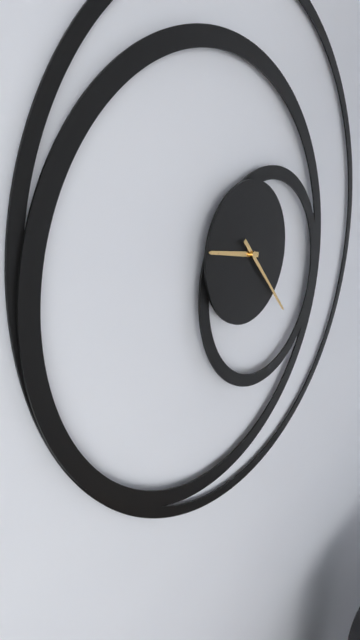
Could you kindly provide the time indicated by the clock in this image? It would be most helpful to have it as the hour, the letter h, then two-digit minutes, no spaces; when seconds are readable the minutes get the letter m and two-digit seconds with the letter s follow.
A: 9h23
